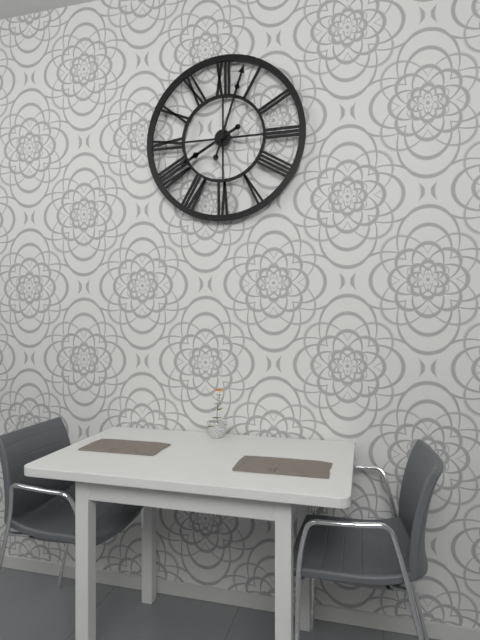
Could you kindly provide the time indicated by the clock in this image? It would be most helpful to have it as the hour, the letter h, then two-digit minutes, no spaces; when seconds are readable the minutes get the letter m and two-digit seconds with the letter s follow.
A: 8h03
